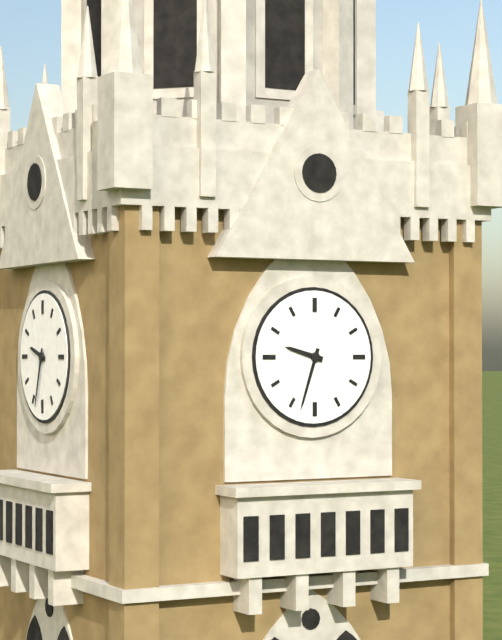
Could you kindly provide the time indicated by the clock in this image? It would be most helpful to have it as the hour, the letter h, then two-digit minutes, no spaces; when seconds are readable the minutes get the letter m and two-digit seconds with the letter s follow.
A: 9h33
